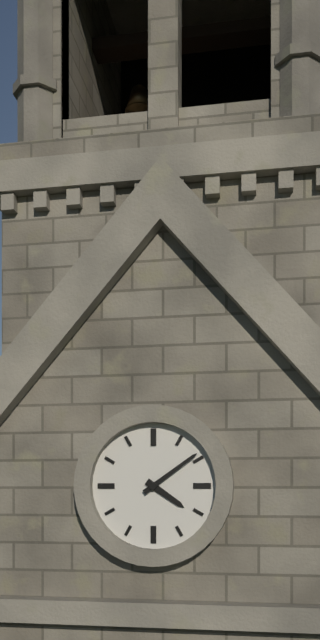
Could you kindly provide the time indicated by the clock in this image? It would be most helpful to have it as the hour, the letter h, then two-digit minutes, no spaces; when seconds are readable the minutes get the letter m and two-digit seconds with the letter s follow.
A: 4h09
